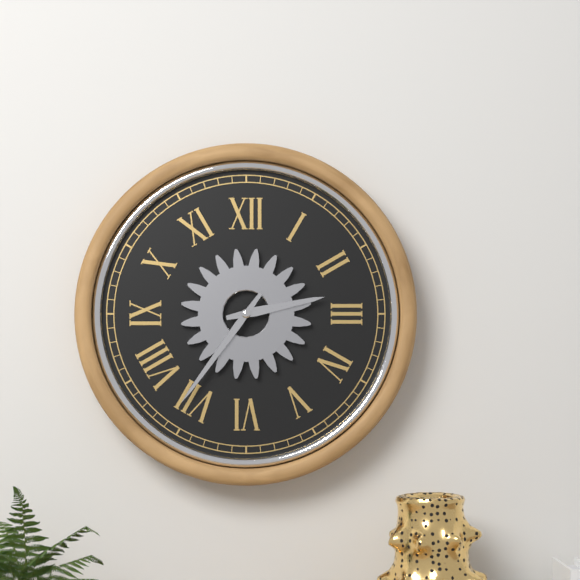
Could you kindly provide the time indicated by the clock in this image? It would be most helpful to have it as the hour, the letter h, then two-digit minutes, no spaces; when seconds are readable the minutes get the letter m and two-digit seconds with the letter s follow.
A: 2h36
